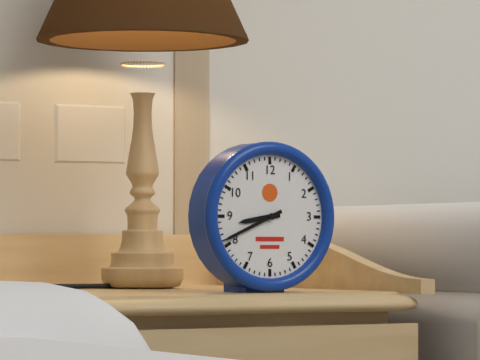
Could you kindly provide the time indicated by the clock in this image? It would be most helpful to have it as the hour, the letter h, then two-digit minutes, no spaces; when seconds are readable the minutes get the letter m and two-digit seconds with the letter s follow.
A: 8h41
